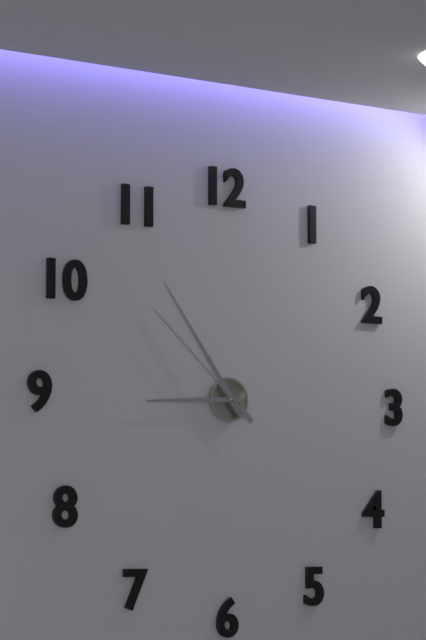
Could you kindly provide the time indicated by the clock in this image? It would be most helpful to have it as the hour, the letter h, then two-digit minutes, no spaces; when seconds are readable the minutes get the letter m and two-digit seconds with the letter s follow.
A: 8h54m52s
